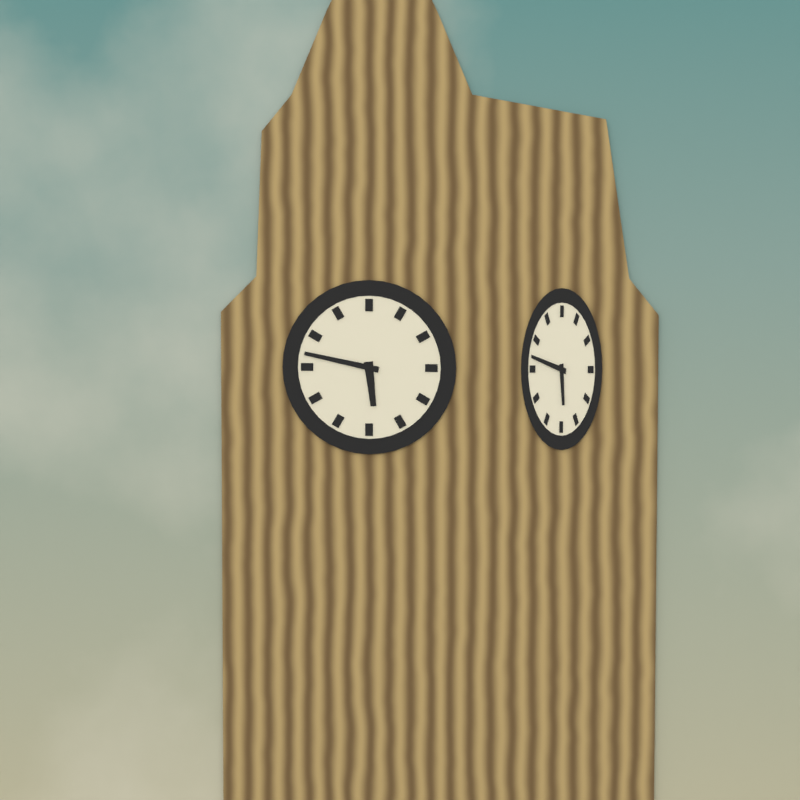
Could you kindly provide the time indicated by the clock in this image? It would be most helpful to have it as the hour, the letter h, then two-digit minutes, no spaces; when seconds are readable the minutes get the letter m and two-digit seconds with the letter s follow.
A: 5h47
